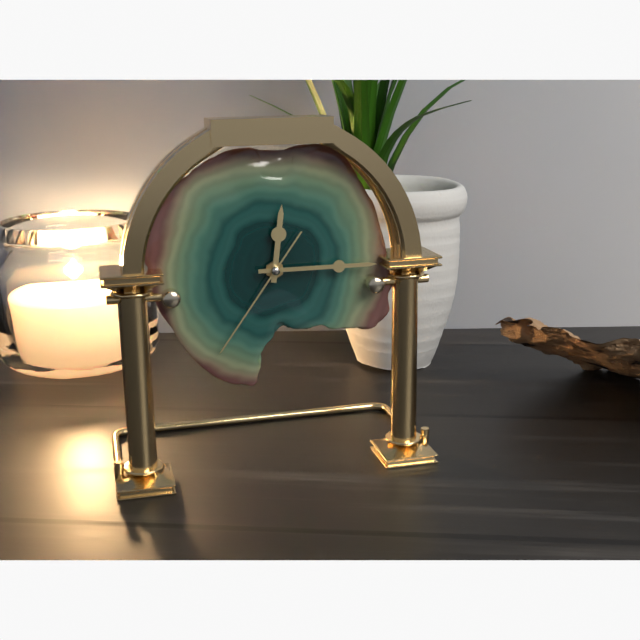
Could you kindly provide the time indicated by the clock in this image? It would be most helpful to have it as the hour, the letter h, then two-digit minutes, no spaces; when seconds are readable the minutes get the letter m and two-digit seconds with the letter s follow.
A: 12h15m36s
